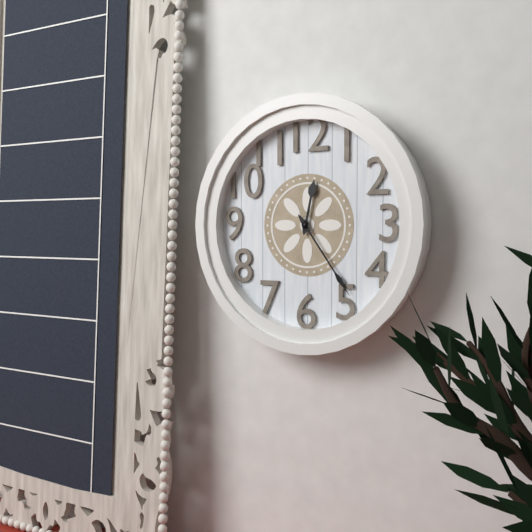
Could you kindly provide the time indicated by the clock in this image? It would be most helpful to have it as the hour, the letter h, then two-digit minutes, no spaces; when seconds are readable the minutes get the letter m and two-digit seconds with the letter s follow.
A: 12h24
